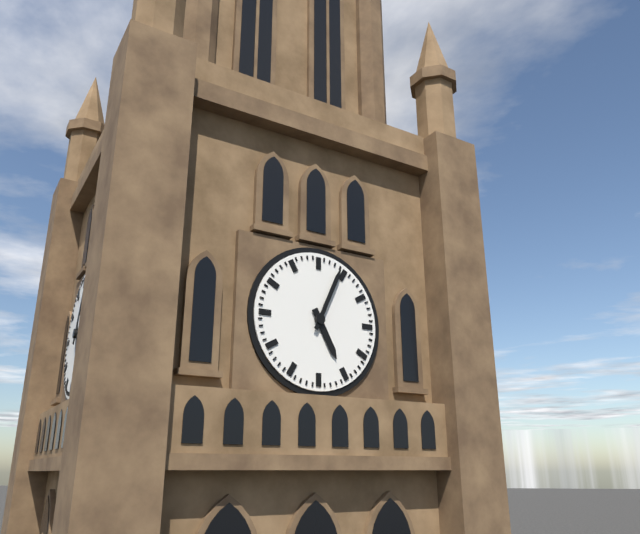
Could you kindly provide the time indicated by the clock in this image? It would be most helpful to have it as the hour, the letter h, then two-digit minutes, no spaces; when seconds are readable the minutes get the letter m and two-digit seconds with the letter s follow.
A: 5h04
